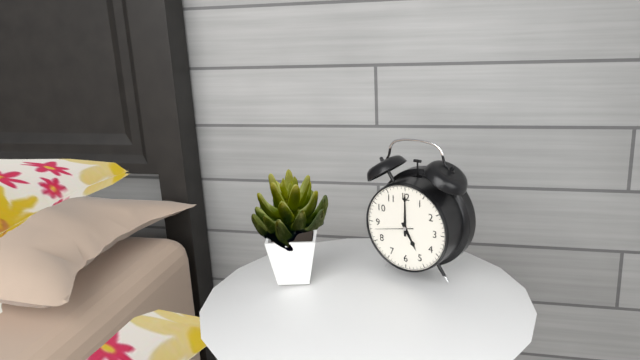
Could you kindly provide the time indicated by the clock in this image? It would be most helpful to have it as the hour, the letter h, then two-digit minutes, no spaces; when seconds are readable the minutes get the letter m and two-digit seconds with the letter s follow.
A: 5h00
